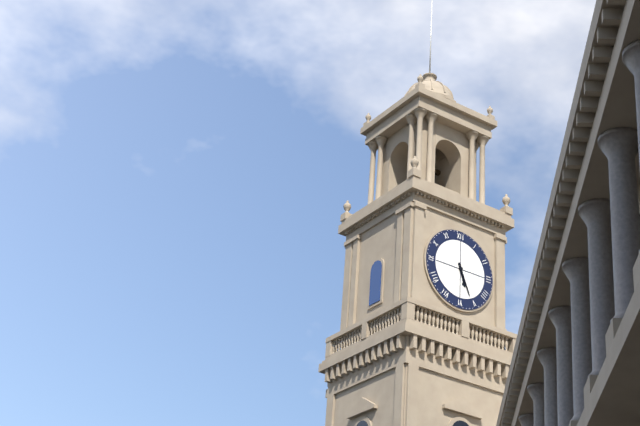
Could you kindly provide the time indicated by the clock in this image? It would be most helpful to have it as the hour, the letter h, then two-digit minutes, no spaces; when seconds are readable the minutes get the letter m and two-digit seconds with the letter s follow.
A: 5h26
